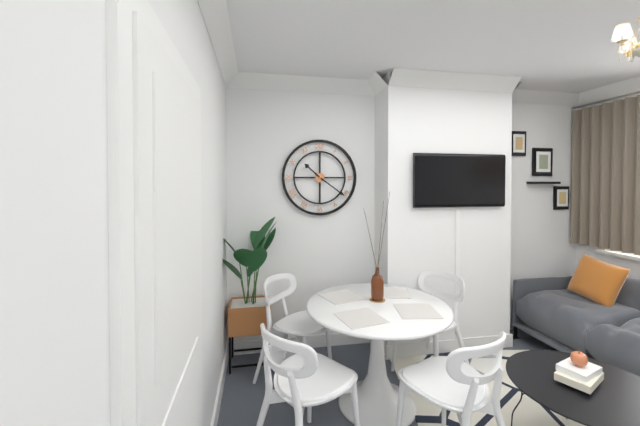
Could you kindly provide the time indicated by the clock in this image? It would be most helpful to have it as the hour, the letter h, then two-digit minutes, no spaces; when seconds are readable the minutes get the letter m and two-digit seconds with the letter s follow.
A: 10h21
